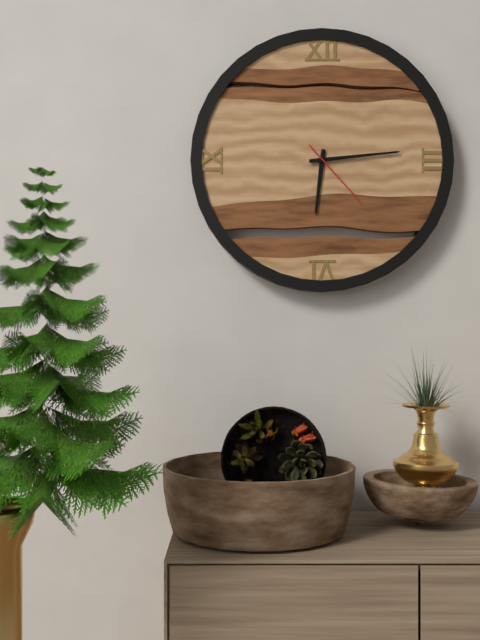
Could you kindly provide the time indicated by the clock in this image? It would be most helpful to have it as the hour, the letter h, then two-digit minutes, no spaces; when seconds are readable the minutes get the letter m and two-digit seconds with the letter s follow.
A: 6h14m23s
